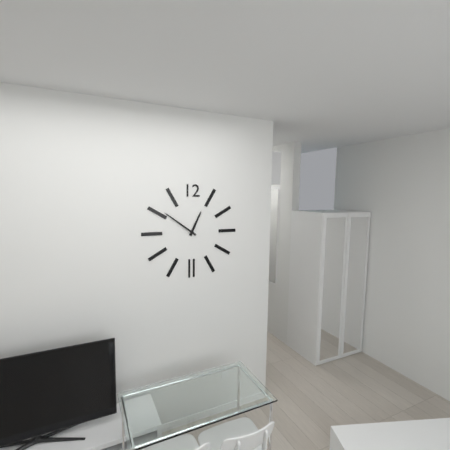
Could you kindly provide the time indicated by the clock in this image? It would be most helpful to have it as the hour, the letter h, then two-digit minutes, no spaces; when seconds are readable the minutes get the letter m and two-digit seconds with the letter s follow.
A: 12h51
